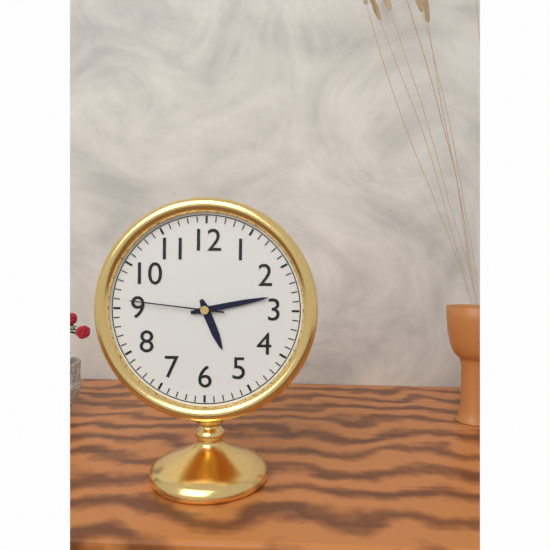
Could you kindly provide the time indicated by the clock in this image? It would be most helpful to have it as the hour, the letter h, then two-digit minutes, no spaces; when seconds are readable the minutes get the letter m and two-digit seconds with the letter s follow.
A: 5h13m46s
